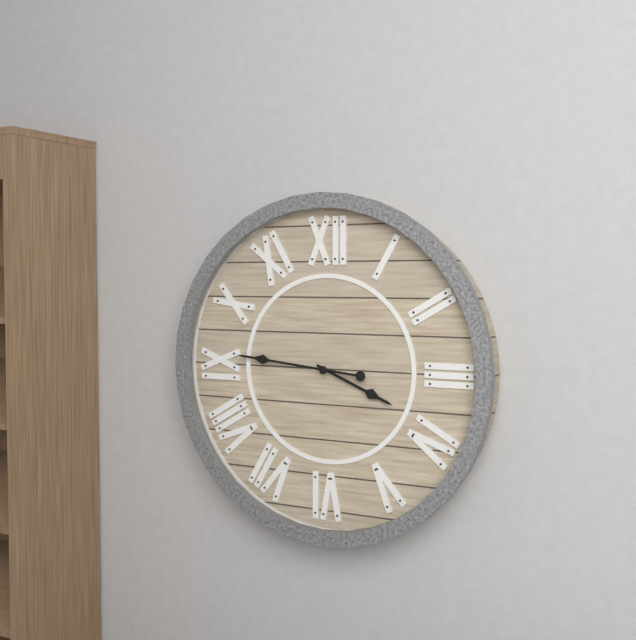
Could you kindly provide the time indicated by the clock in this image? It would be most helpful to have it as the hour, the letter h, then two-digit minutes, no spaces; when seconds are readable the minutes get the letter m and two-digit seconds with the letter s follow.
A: 3h46
